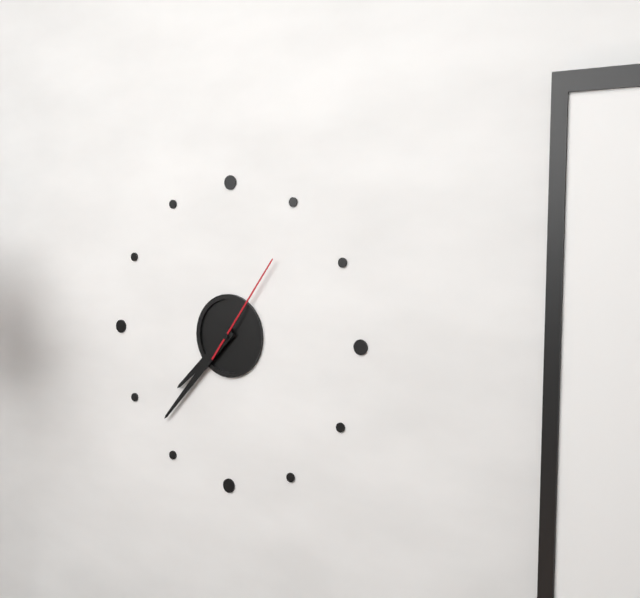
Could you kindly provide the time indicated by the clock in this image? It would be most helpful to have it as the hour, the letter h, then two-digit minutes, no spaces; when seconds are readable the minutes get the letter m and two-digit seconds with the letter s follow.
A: 7h37m06s
